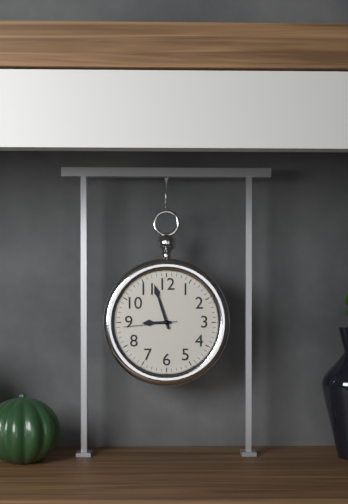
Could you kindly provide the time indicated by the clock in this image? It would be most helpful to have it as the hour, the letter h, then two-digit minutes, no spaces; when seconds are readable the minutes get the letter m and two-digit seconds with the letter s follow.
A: 8h57m44s
